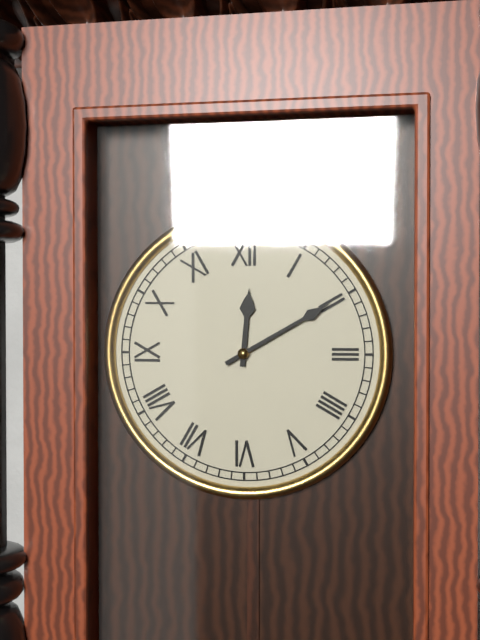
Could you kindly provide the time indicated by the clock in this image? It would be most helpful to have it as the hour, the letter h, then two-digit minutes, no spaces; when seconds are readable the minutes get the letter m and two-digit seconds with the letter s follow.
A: 12h10
